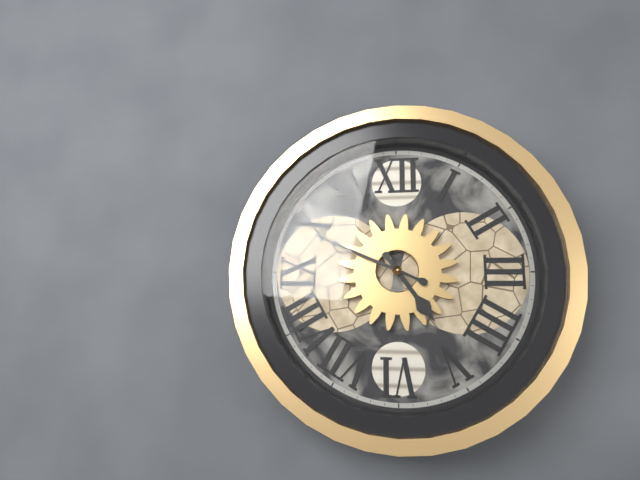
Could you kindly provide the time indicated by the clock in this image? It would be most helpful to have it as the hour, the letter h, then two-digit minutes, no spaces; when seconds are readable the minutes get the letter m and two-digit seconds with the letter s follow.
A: 4h49
